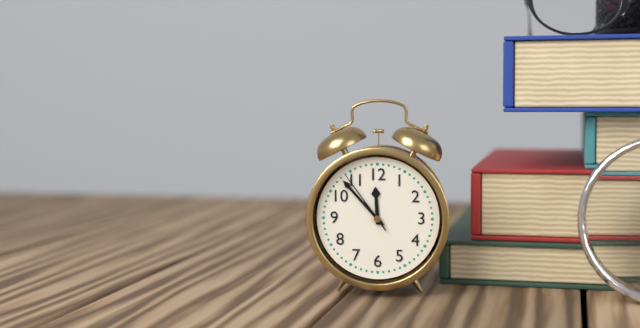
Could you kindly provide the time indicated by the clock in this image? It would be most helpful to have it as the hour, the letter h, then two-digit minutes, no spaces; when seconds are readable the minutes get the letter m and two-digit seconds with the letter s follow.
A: 11h53m54s
